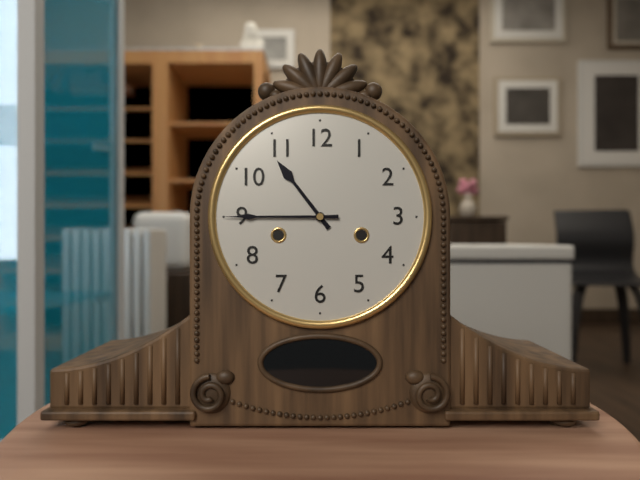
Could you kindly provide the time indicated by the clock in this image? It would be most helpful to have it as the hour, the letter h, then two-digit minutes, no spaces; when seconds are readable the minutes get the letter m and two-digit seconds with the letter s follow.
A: 10h45
